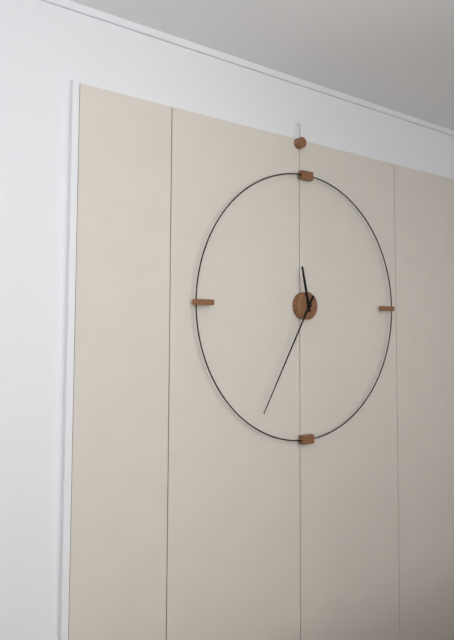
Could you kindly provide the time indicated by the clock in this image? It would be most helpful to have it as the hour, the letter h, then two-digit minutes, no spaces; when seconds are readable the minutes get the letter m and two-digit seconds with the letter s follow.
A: 11h35
